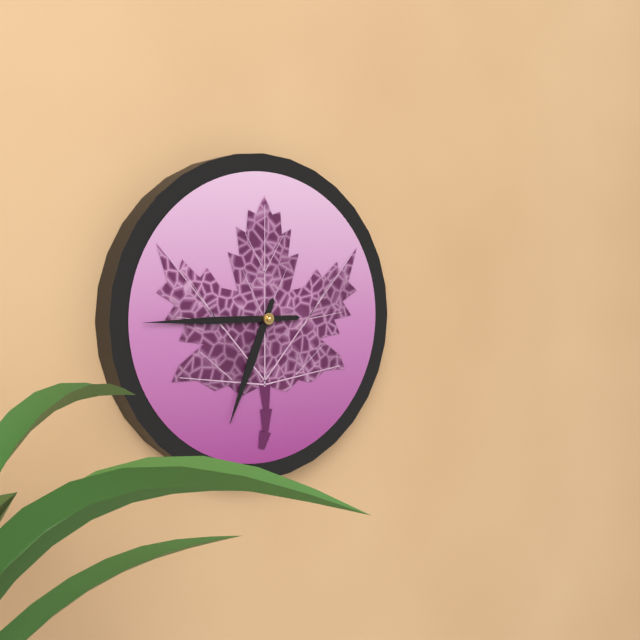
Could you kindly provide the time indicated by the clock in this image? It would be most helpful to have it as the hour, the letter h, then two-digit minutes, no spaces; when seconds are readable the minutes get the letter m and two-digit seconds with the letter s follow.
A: 6h45
